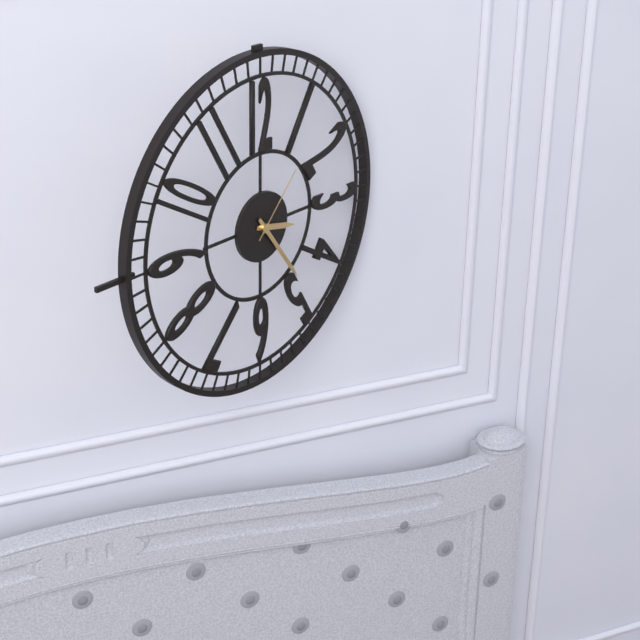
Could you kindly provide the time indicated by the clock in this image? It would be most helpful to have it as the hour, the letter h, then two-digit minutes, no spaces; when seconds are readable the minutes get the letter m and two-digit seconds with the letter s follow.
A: 3h24m07s
